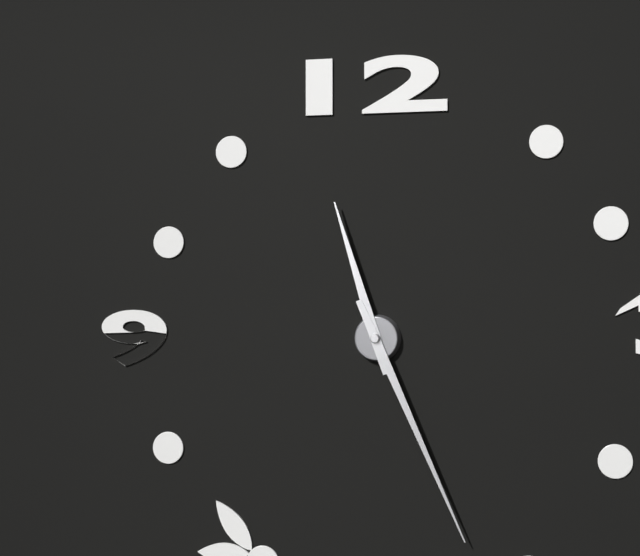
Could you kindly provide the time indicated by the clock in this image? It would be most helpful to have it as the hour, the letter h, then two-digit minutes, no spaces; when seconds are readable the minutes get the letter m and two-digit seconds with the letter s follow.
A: 11h26
